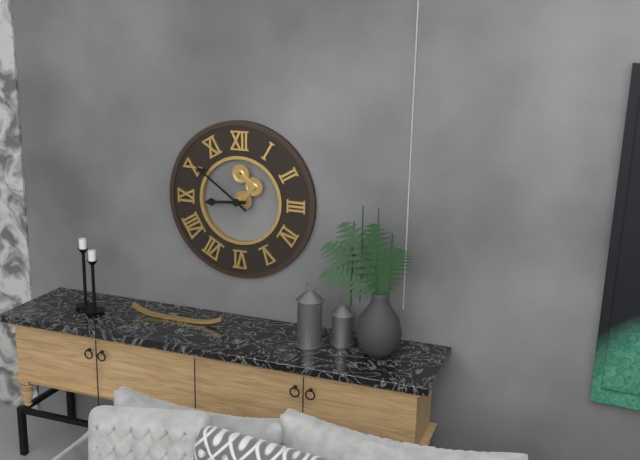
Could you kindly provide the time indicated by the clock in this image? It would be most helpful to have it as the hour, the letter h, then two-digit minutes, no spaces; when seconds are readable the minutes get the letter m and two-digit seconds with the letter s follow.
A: 8h51
